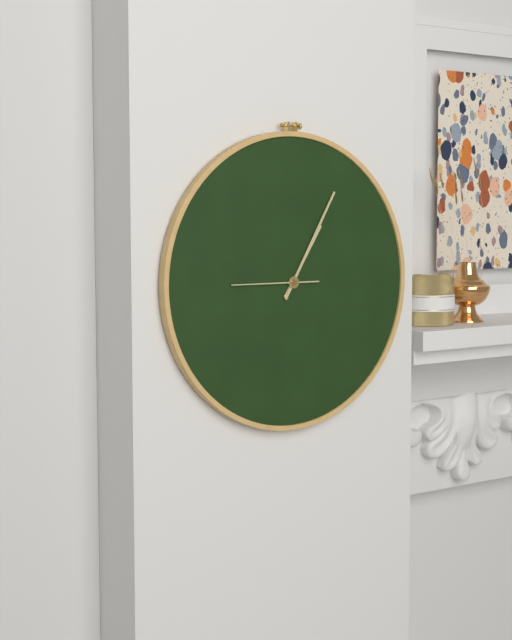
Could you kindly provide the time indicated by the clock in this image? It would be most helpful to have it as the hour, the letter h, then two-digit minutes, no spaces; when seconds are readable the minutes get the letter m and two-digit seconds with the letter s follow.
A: 1h05m45s
